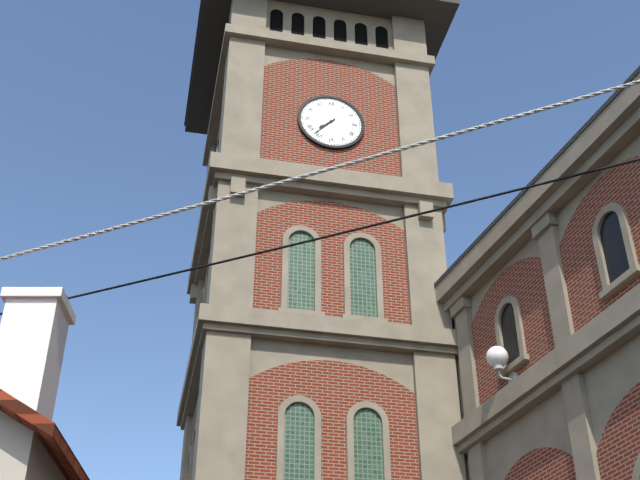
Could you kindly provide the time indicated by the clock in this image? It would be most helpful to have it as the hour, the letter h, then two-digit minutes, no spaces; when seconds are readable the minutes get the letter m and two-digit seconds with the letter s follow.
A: 7h37
